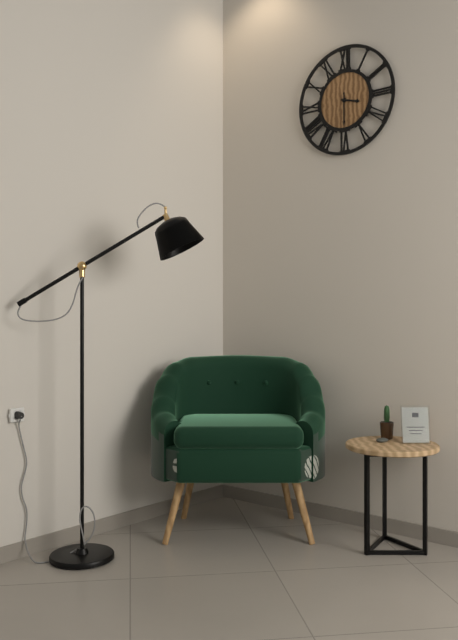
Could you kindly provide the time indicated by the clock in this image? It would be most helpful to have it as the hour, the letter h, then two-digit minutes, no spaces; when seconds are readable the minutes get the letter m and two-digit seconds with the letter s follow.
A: 3h30
